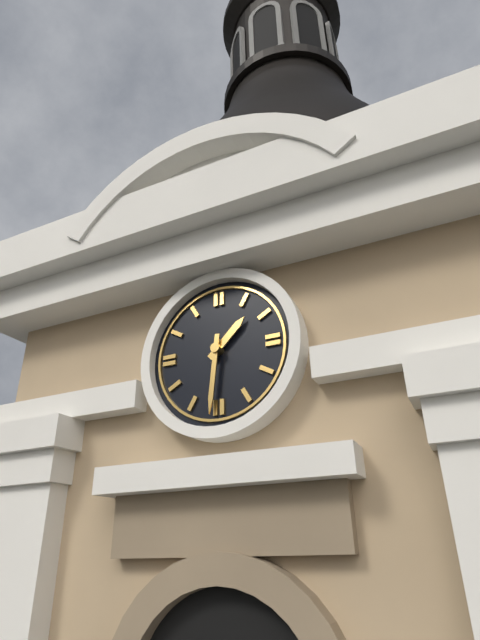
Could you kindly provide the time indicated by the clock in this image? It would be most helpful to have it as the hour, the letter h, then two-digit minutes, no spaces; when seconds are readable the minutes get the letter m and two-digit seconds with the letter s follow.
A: 1h31
